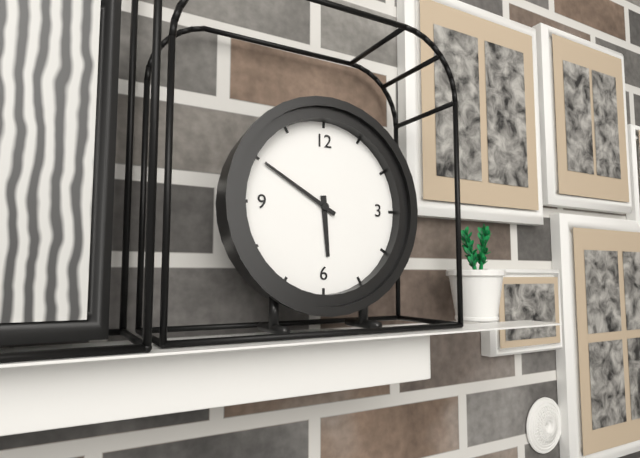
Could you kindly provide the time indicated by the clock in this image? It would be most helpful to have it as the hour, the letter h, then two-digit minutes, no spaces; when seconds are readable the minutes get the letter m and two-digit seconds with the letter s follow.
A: 5h50
